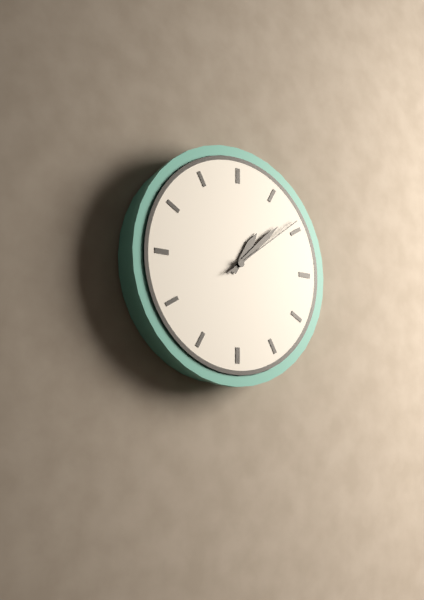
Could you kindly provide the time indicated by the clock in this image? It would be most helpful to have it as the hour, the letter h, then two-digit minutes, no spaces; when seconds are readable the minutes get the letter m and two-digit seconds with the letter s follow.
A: 1h08m09s
